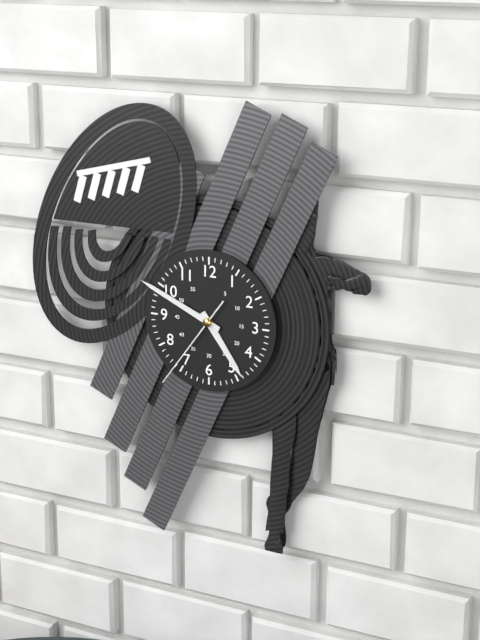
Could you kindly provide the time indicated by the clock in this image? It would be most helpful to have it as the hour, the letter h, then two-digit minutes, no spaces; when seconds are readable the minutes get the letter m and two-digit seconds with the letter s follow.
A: 4h49m36s
